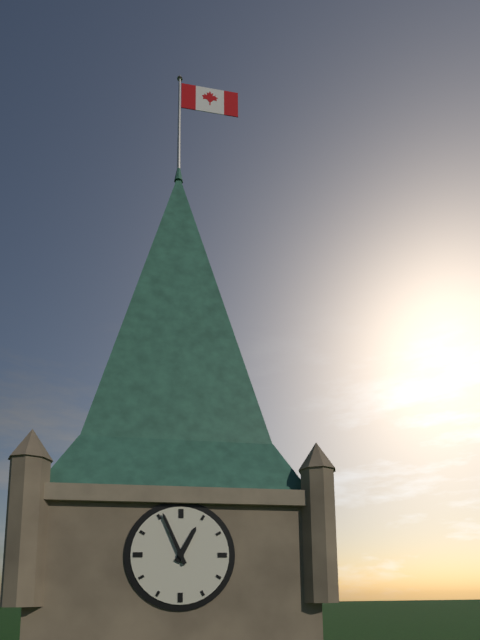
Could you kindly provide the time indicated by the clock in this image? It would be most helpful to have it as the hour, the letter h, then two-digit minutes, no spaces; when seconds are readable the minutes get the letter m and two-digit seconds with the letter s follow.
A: 12h56
